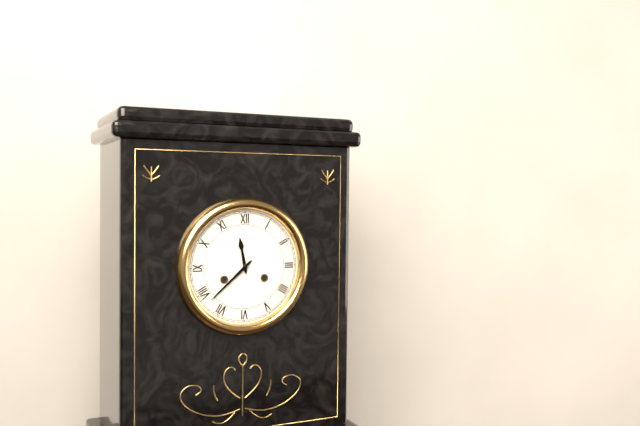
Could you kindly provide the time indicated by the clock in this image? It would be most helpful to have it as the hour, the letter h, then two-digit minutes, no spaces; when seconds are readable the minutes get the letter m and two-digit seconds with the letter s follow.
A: 11h38
